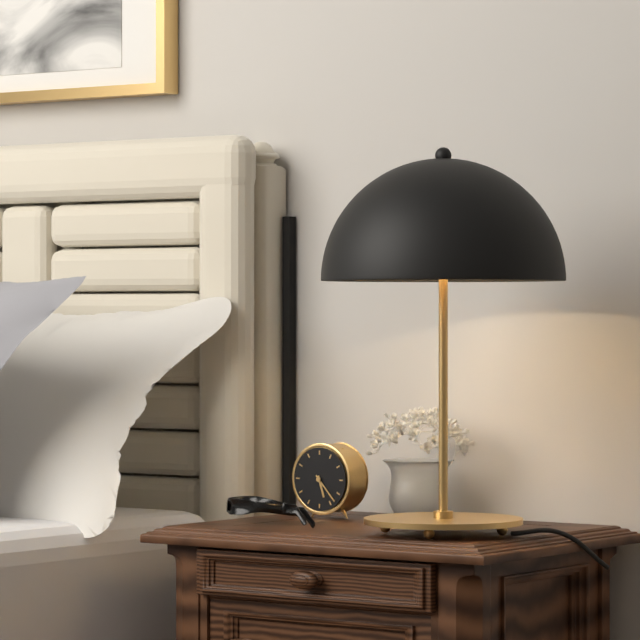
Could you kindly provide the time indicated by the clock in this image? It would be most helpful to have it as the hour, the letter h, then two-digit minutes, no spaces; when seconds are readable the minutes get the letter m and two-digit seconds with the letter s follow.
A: 5h23
